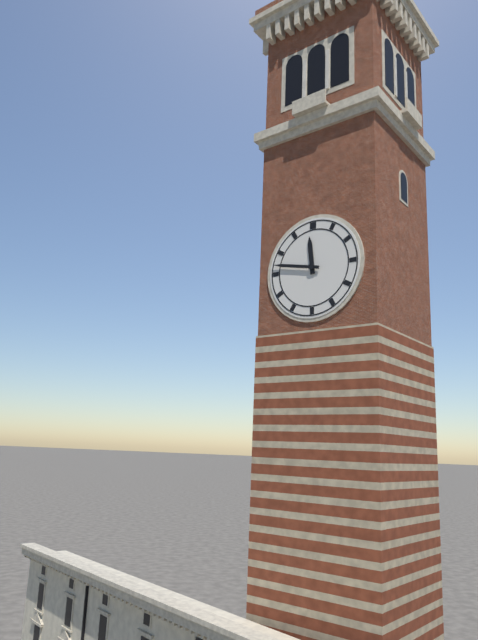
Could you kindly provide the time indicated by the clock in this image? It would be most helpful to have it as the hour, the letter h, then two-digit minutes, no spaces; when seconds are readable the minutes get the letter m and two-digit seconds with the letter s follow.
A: 11h47
